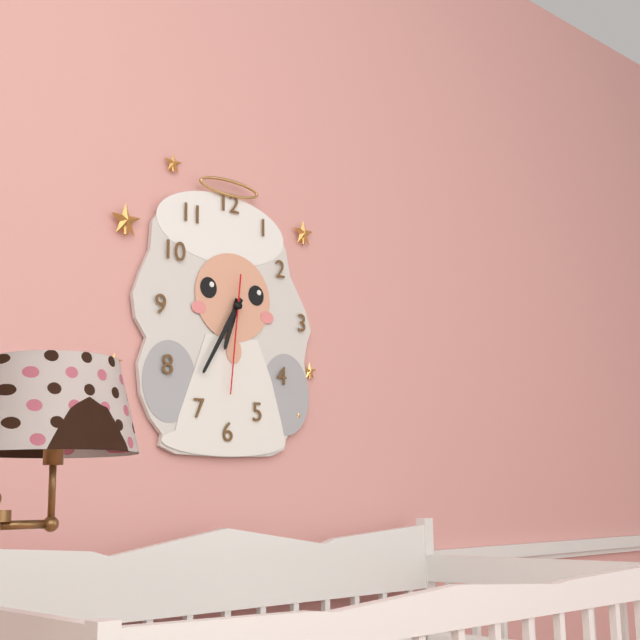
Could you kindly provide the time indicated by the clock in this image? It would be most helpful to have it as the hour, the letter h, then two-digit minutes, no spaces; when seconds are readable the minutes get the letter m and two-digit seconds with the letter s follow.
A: 6h35m31s
